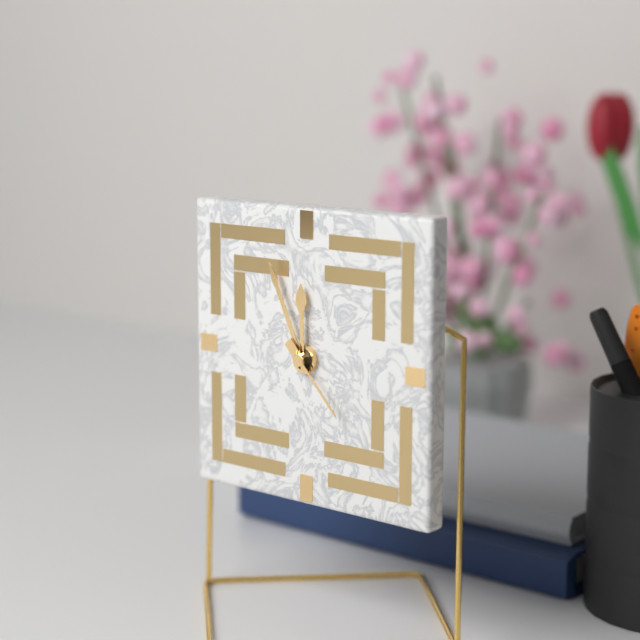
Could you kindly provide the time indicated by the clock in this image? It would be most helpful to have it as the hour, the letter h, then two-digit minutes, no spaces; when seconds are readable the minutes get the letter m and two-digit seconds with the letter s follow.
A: 11h56m23s
